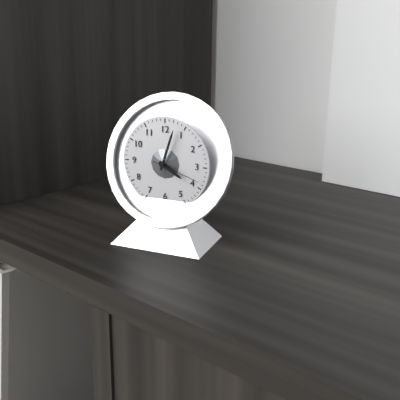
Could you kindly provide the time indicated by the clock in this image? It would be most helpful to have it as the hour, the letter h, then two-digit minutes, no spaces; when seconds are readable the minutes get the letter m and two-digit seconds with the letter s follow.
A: 4h03
